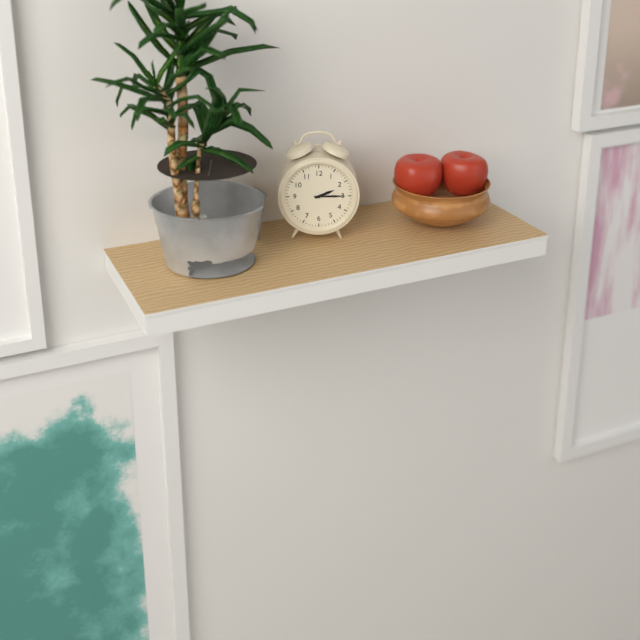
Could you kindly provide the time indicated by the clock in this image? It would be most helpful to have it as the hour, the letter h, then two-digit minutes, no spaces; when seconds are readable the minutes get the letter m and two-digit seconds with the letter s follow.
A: 2h15
